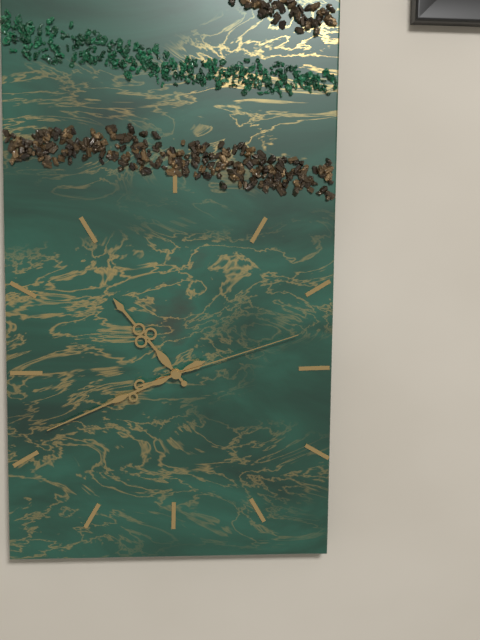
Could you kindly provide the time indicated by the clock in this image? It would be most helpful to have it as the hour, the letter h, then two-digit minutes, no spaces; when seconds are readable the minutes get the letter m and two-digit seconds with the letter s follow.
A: 10h41m12s
